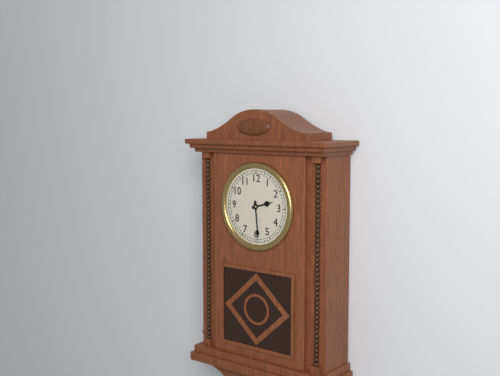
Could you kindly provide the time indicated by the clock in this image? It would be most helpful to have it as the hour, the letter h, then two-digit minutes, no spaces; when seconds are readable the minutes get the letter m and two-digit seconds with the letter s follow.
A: 2h29
